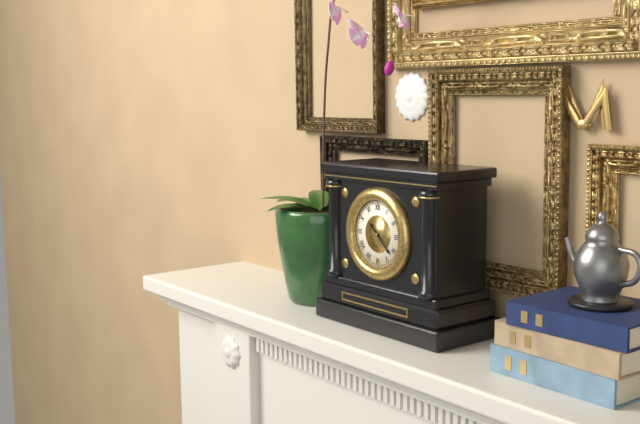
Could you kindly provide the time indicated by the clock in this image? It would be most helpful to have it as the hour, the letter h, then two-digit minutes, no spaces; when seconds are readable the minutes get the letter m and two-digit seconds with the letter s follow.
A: 10h22
